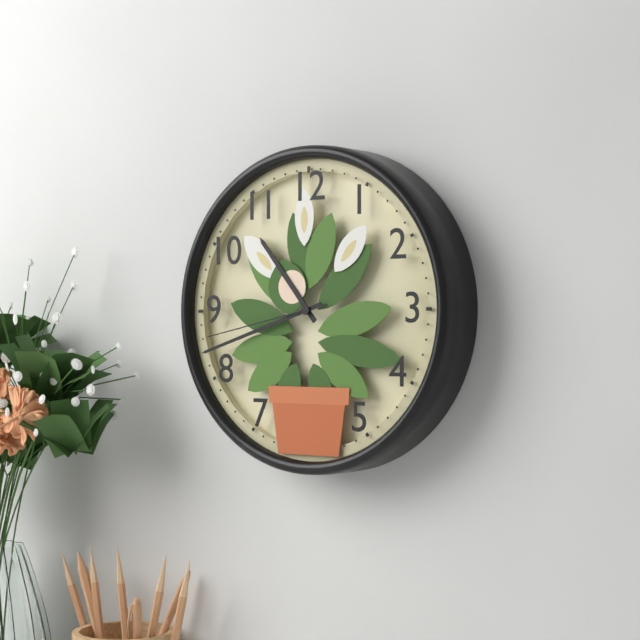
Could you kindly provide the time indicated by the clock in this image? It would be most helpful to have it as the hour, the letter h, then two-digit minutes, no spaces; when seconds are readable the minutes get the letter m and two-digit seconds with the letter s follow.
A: 10h42m43s
